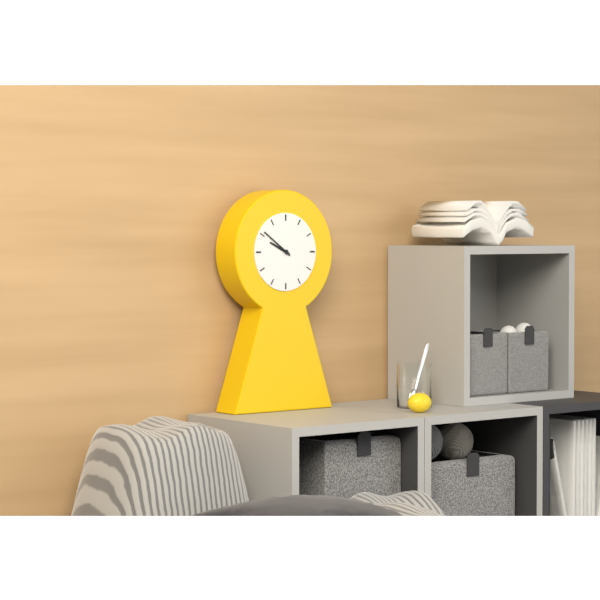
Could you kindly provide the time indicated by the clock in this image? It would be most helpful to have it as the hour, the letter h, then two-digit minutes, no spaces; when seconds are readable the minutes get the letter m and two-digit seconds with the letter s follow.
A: 9h51
